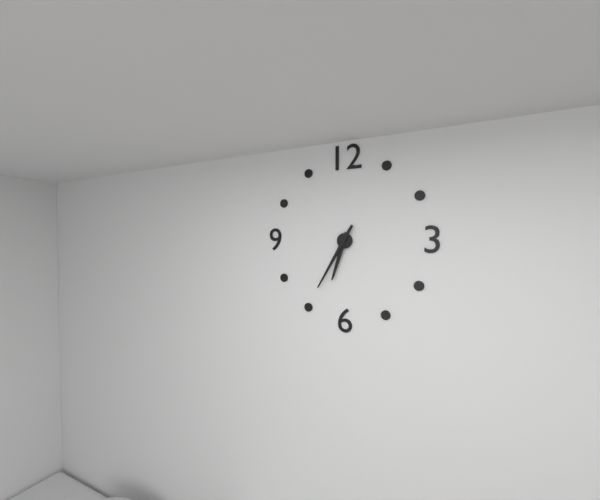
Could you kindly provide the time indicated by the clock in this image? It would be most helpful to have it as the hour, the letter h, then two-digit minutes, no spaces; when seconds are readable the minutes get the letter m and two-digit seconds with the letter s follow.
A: 6h35
